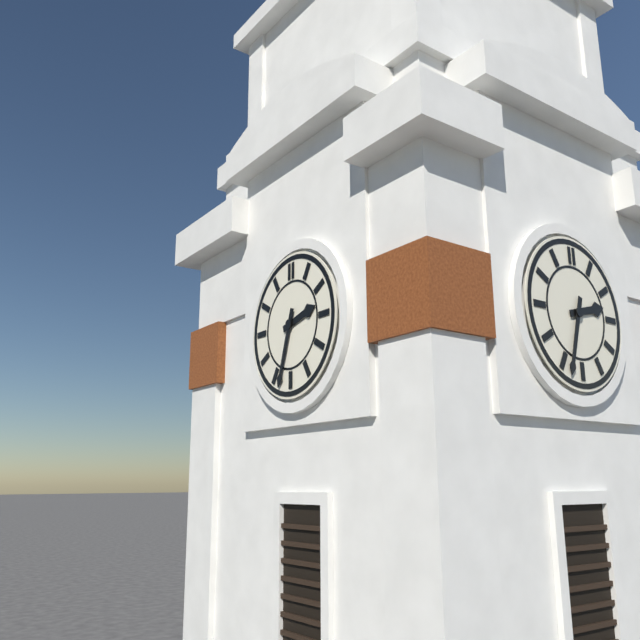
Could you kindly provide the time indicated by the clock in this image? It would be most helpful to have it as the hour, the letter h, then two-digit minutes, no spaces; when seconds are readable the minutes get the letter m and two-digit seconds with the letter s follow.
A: 2h33
